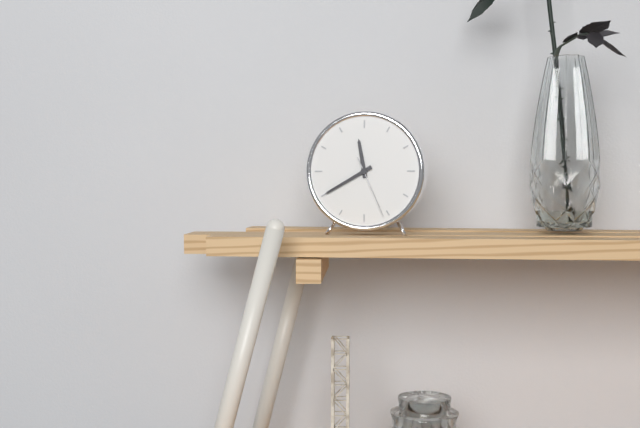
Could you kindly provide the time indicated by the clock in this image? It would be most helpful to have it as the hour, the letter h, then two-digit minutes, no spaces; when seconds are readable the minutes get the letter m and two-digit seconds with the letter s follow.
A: 11h40m26s
